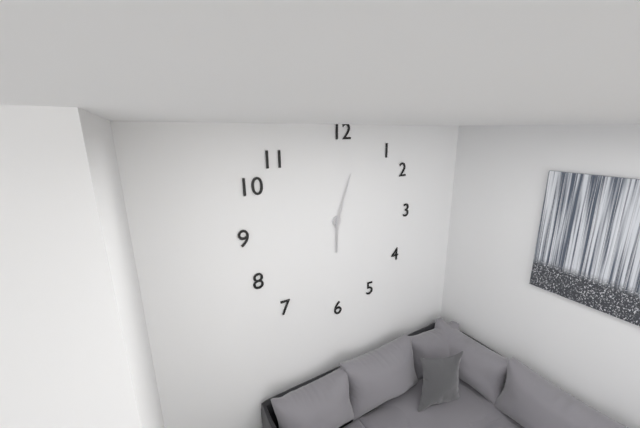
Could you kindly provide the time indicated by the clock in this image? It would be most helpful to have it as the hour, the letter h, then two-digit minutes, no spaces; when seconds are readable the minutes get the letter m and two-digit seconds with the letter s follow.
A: 6h03
